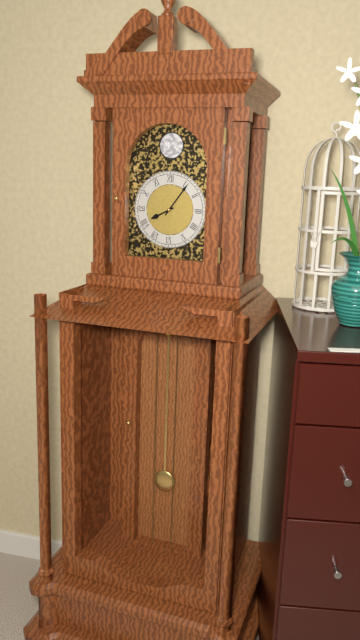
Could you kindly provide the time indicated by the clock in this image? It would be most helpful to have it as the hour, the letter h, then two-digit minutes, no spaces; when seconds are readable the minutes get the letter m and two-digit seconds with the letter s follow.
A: 8h06
